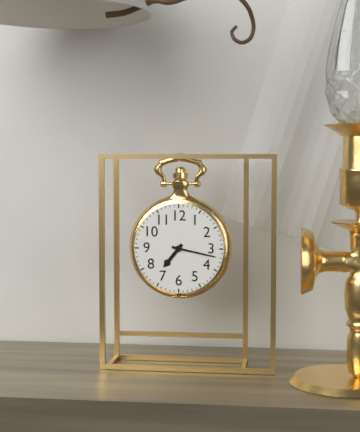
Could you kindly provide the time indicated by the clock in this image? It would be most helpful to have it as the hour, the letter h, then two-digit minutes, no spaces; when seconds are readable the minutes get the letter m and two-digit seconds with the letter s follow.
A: 7h17
